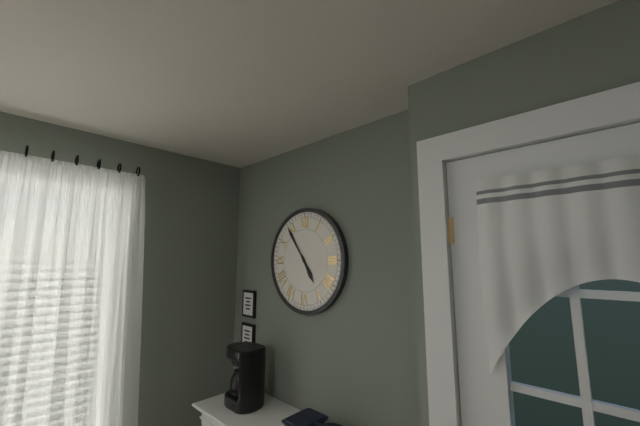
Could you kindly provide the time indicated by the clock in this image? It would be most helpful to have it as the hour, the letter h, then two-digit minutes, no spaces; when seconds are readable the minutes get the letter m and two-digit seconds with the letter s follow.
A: 4h54
